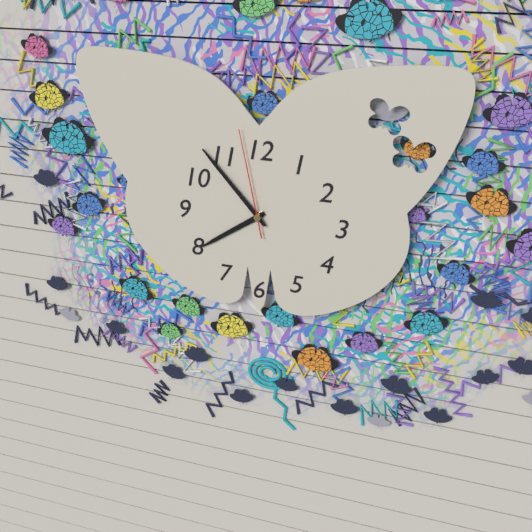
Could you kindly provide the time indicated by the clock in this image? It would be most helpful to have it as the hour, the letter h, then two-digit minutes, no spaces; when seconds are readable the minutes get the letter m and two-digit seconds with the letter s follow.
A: 7h53m58s
